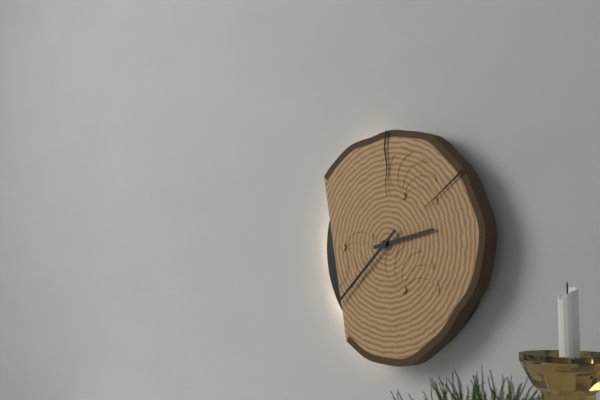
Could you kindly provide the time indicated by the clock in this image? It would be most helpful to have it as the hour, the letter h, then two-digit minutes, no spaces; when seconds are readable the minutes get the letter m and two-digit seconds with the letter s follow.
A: 2h38
